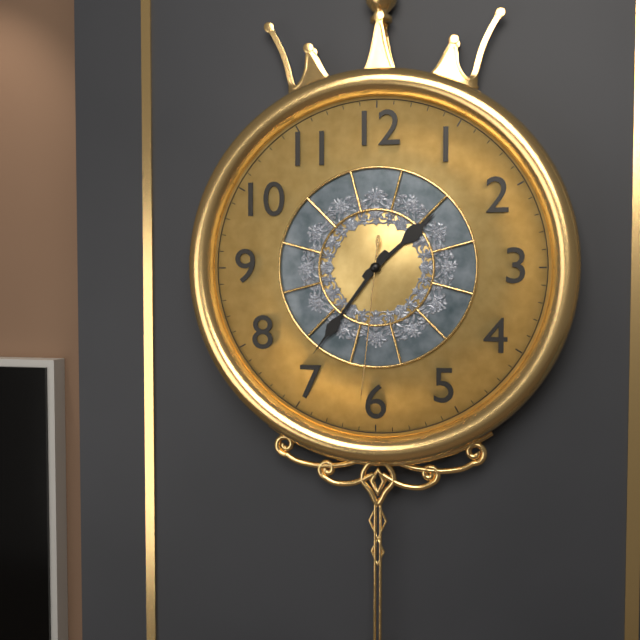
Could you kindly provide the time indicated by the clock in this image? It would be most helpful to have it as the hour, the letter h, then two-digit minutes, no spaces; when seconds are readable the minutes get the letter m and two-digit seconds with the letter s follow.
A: 1h36m31s
